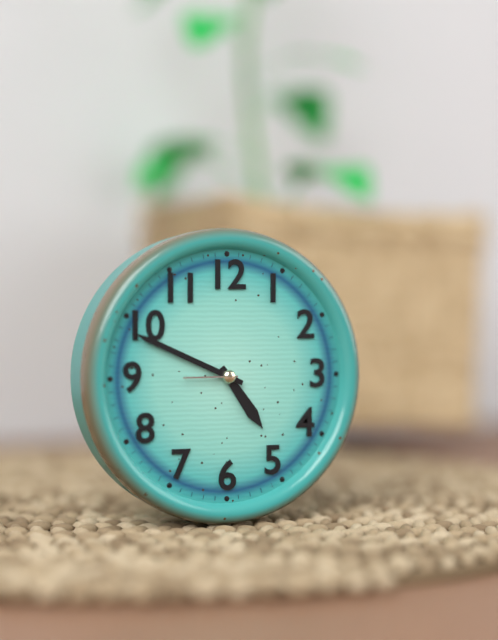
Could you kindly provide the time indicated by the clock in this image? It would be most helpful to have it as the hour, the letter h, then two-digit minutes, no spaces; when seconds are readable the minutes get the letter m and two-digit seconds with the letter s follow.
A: 4h49m45s
